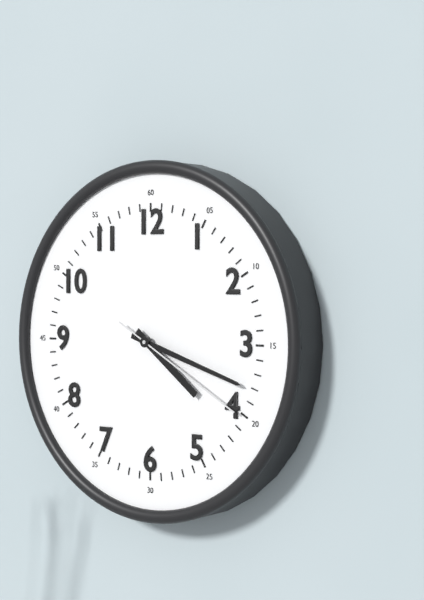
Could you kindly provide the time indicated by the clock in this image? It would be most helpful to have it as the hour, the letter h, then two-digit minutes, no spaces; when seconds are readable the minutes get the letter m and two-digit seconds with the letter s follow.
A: 4h18m20s
